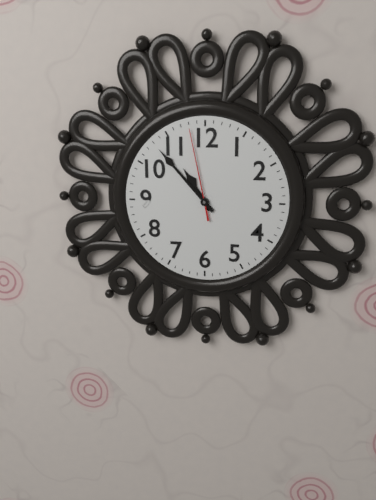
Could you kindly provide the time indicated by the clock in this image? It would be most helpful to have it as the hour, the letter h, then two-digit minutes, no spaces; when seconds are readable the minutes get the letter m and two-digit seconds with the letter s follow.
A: 10h53m58s
